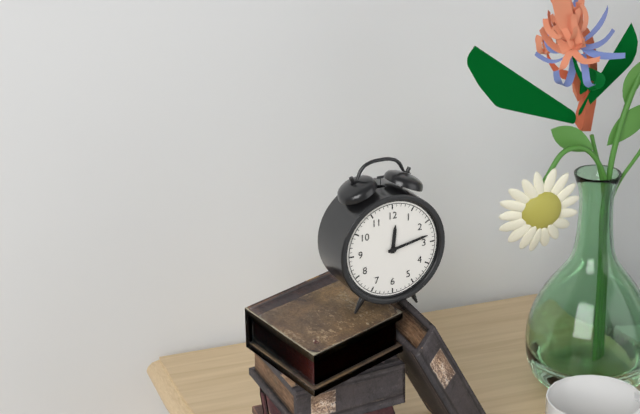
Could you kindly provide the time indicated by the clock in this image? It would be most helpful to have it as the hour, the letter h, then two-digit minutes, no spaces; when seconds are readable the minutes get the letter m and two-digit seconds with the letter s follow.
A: 12h13
